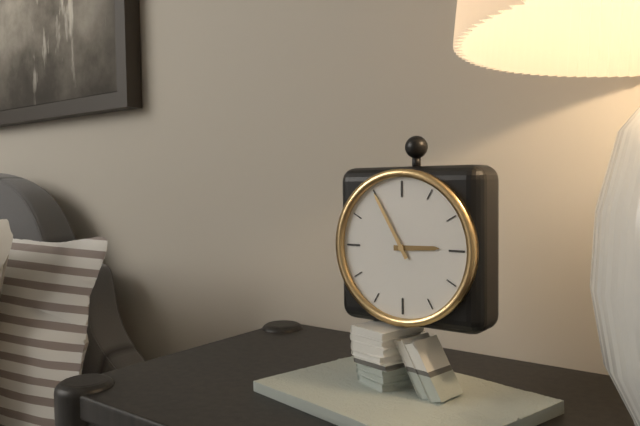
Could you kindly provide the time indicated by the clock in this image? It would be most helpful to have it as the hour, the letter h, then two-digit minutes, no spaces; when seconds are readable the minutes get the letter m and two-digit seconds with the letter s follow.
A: 2h55
